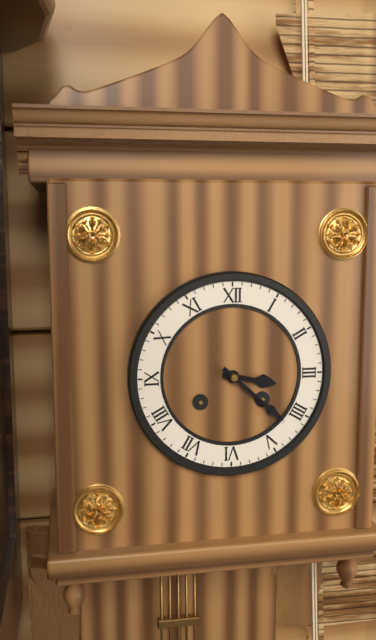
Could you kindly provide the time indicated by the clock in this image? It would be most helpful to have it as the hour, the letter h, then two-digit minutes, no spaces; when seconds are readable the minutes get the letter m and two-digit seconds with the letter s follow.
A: 3h22
